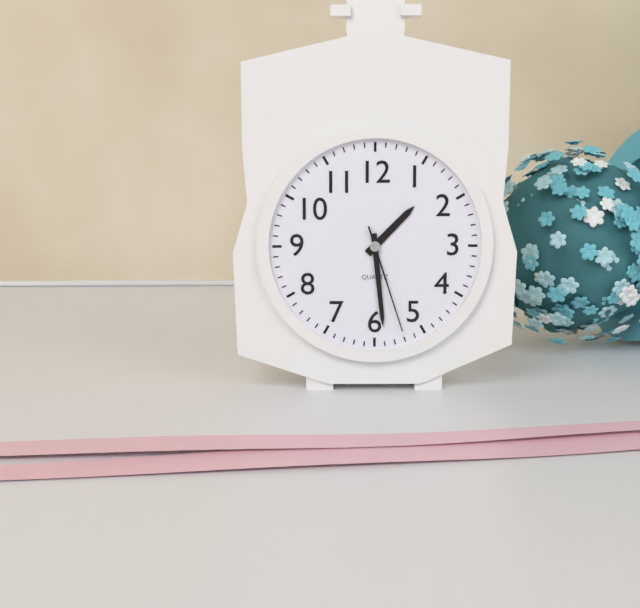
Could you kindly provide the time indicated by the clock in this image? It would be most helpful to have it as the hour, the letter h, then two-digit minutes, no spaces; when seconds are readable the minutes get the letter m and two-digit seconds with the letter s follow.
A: 1h29m27s
